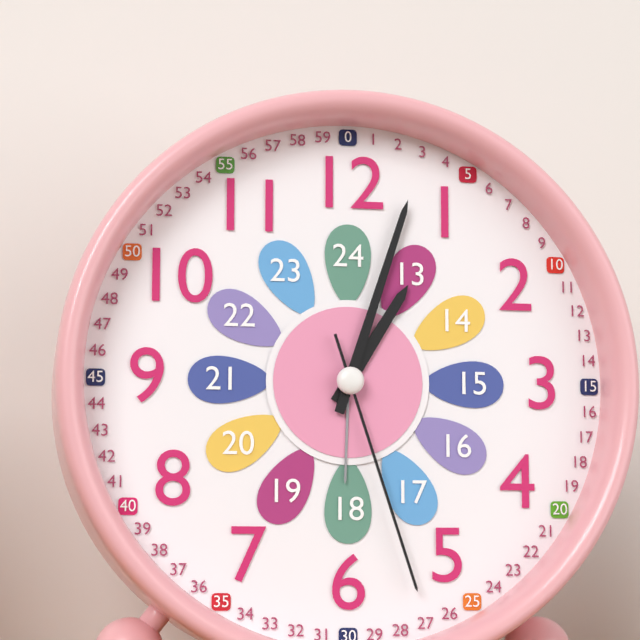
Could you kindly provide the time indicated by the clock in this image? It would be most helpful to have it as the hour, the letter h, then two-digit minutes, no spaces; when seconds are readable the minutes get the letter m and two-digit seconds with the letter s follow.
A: 1h03m27s
